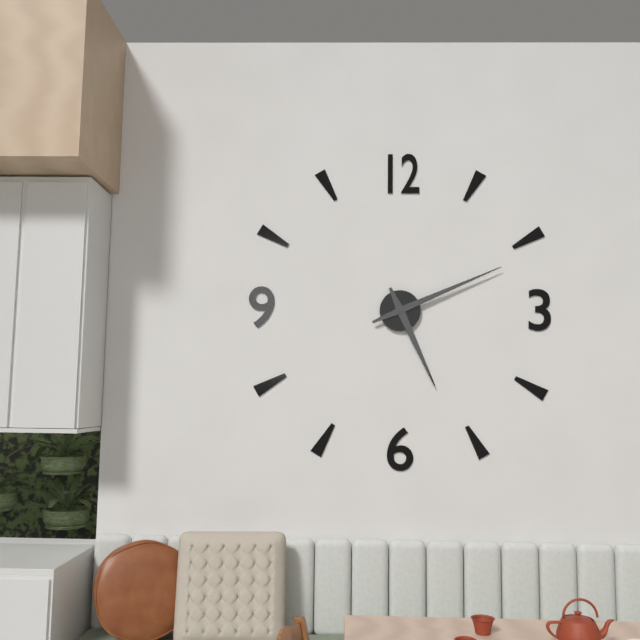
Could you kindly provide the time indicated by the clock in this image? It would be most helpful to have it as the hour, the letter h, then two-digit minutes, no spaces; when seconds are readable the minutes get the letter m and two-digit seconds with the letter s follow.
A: 5h11
